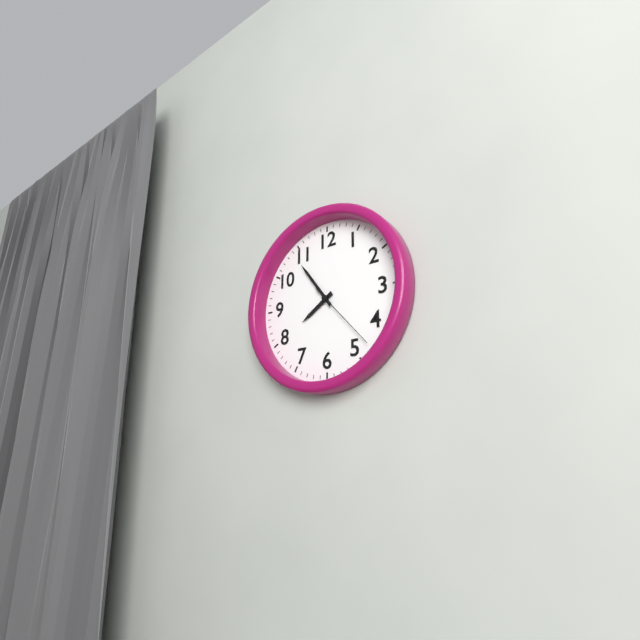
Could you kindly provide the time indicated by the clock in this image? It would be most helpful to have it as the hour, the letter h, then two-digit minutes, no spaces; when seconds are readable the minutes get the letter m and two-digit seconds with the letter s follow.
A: 7h54m23s
